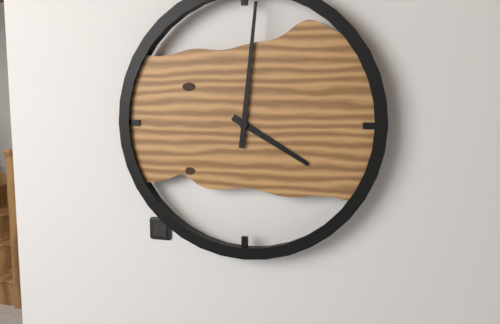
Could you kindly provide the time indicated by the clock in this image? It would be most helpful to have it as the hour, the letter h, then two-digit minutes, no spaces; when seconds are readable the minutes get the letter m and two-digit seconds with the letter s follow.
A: 4h01
